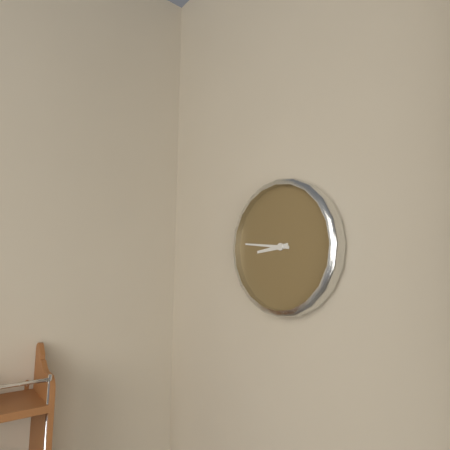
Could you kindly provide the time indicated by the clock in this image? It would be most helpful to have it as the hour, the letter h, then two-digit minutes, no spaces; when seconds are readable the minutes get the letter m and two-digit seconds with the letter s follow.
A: 8h46
